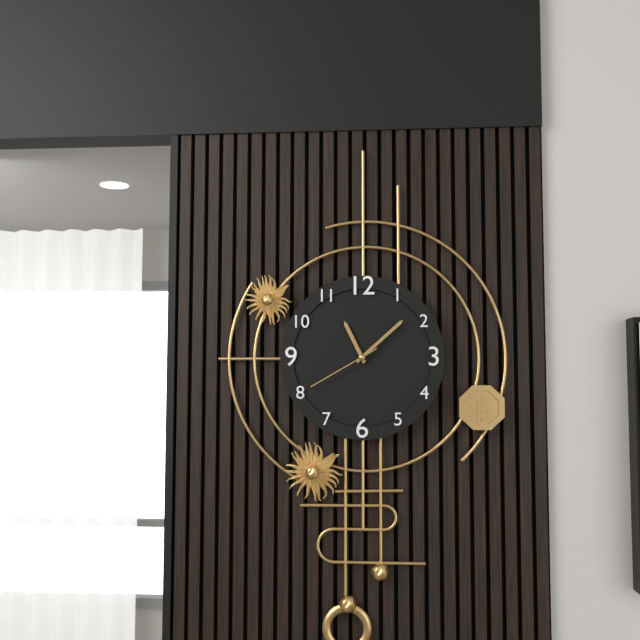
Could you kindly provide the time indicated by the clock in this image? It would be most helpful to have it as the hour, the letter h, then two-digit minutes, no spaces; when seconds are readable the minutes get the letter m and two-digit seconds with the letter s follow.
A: 11h08m40s
